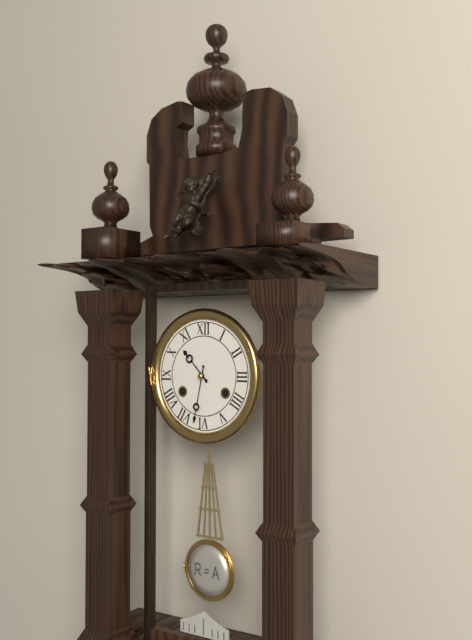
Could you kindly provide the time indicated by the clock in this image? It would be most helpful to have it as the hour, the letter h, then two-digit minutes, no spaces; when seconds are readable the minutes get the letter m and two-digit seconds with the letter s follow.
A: 10h32
